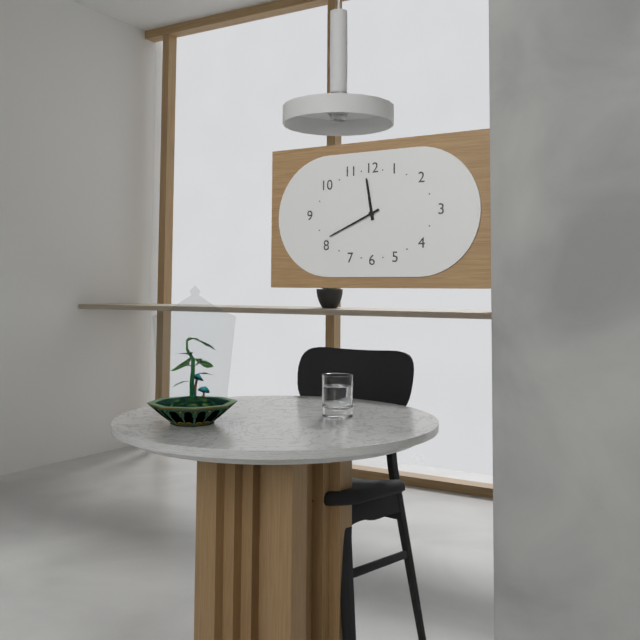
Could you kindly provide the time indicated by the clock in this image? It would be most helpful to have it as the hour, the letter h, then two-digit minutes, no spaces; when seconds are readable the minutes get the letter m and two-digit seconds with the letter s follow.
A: 11h41
